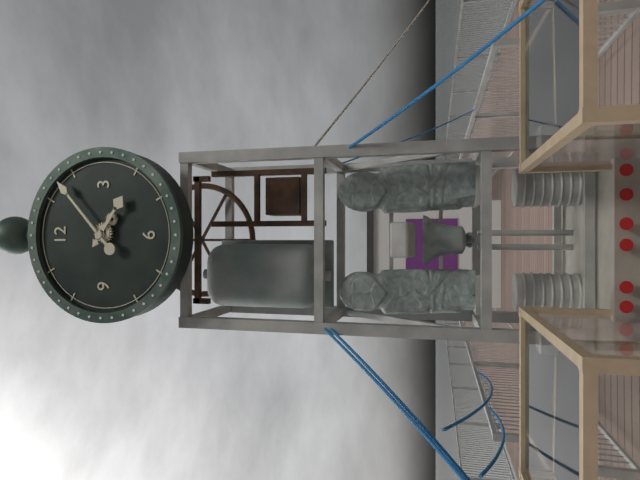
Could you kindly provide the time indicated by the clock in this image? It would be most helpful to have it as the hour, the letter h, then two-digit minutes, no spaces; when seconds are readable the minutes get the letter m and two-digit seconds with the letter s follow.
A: 4h08
